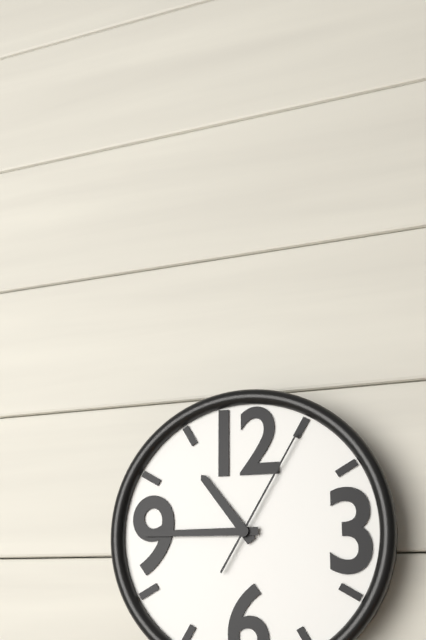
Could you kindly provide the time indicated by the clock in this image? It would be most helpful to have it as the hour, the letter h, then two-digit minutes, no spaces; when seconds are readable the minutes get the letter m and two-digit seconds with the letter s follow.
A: 10h45m05s
